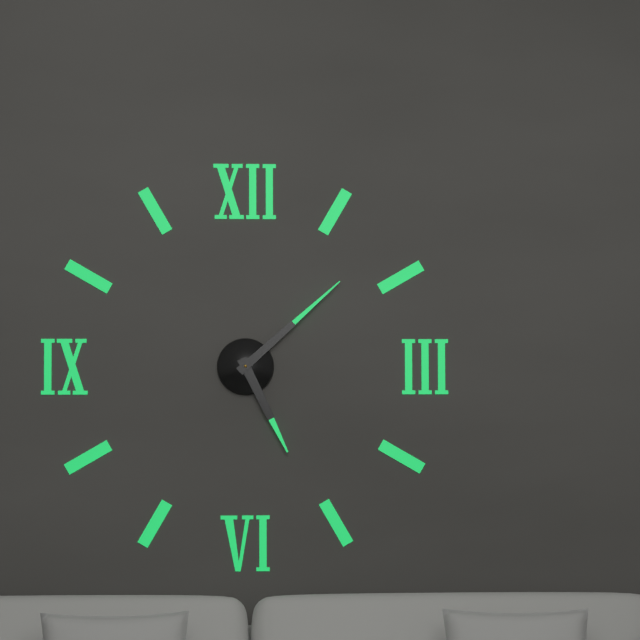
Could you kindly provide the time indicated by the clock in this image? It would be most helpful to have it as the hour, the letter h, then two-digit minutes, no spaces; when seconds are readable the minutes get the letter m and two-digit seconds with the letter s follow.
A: 5h08
